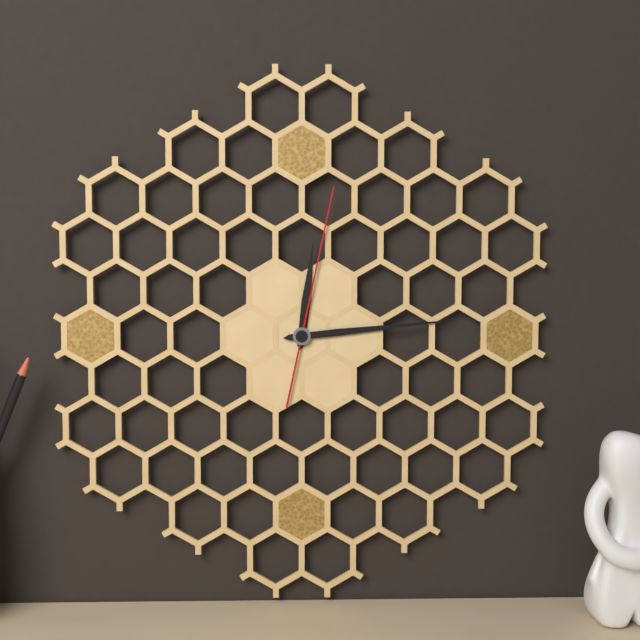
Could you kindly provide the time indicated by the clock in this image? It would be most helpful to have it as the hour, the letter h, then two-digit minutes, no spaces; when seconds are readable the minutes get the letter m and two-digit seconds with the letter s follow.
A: 12h14m02s
